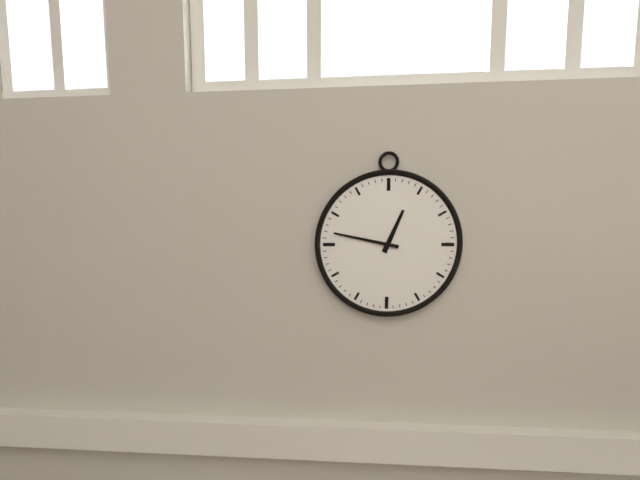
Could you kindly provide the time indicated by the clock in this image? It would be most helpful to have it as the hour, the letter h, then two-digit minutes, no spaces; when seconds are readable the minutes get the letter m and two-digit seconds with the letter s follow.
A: 12h47
